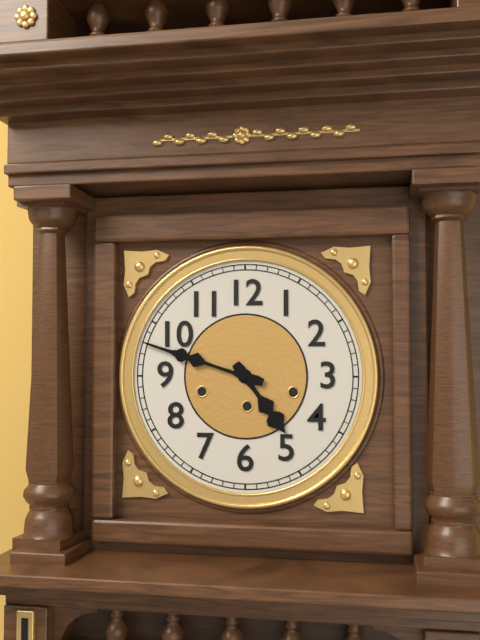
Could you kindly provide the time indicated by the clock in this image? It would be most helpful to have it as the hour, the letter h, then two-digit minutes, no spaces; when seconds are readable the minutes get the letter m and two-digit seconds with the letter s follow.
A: 4h48
